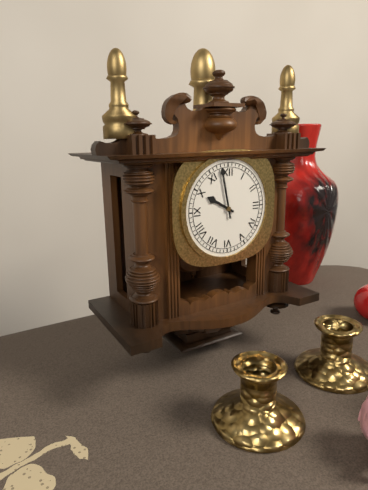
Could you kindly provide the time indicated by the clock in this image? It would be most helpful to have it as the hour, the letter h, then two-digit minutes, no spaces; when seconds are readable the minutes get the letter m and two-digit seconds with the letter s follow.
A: 9h58
